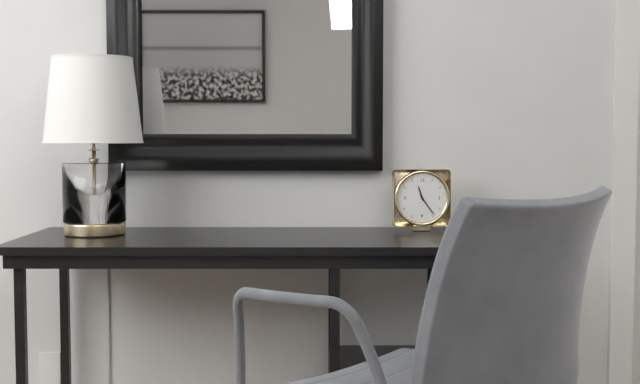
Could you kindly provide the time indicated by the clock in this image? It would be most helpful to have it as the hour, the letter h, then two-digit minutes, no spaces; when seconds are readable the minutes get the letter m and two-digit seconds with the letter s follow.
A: 11h24
